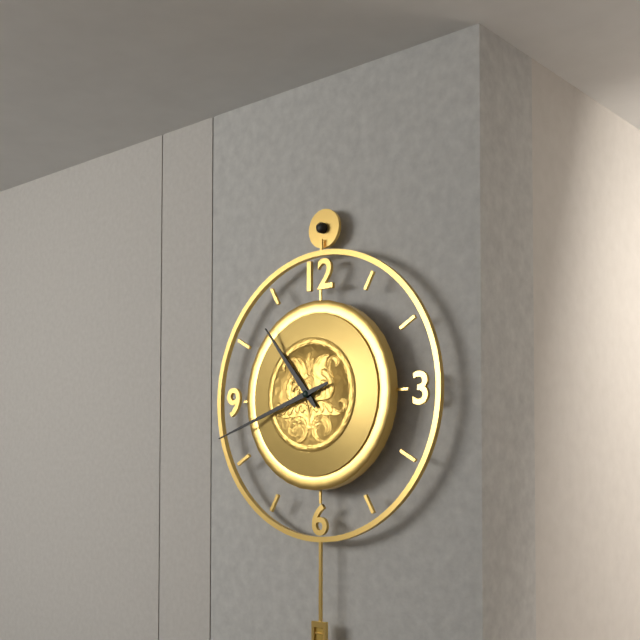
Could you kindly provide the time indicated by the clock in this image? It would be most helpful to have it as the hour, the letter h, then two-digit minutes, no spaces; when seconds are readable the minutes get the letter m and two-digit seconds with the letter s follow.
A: 10h42
